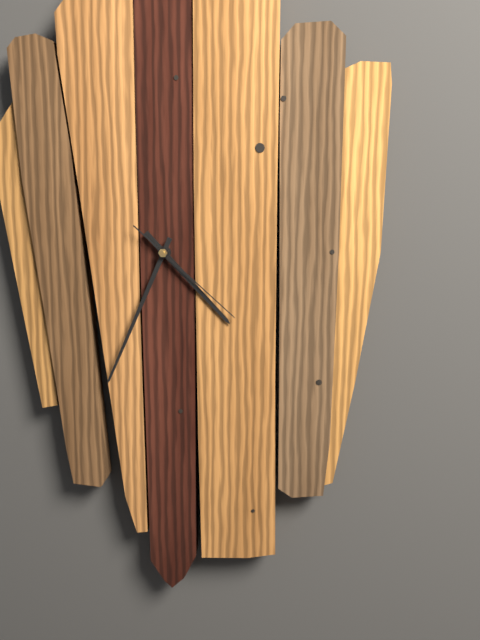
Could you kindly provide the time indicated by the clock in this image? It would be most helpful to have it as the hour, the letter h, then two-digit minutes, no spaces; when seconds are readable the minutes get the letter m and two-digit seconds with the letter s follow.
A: 4h34m22s
